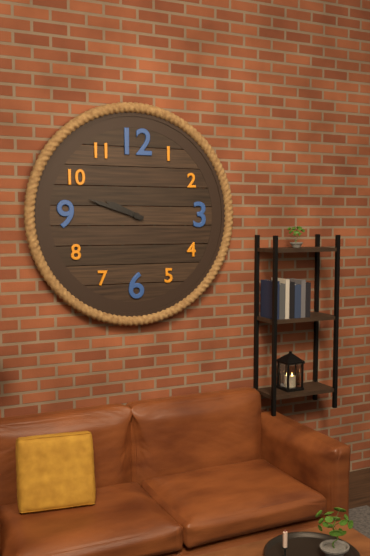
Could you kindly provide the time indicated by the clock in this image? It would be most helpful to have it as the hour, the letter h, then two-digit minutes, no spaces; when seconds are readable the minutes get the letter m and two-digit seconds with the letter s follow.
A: 9h48
